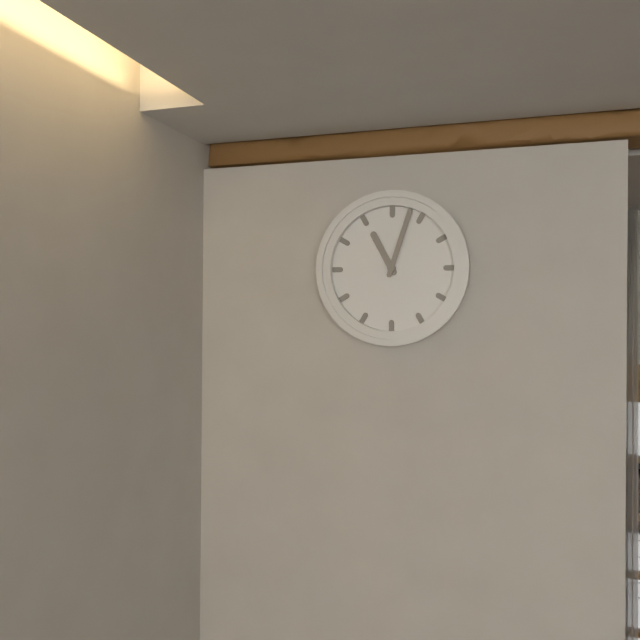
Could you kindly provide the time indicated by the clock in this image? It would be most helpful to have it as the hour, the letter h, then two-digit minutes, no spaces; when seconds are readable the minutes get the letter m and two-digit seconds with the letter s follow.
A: 11h03
